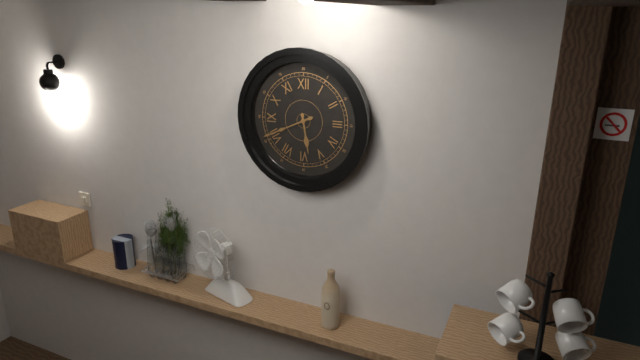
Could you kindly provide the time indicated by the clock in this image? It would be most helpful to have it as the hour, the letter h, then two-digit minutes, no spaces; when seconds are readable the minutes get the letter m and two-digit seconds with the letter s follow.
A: 5h41
